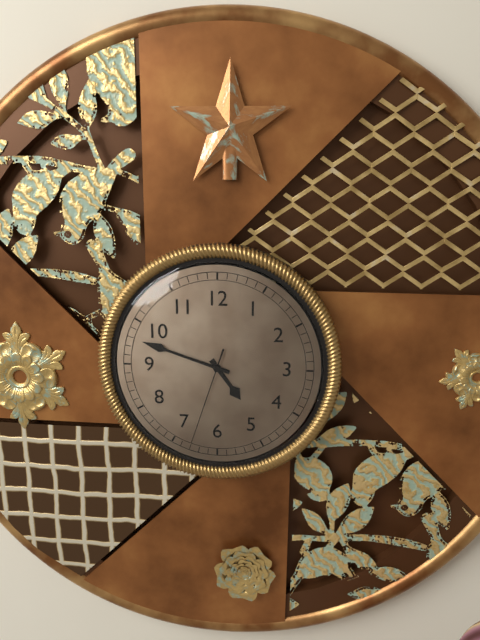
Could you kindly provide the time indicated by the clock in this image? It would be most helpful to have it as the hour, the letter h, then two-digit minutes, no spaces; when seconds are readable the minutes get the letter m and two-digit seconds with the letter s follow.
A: 4h48m33s
